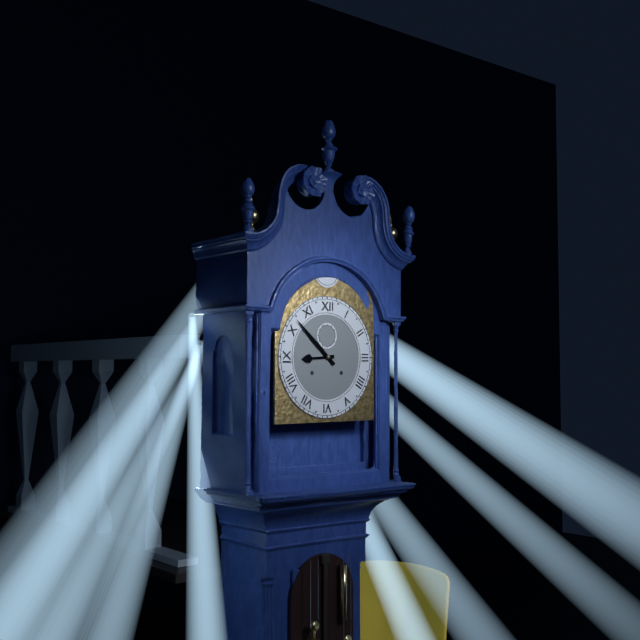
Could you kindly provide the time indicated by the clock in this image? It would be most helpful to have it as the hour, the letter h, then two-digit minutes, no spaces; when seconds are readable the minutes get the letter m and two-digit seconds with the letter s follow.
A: 8h52
